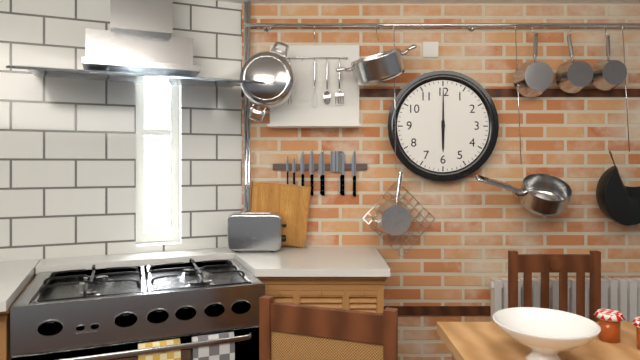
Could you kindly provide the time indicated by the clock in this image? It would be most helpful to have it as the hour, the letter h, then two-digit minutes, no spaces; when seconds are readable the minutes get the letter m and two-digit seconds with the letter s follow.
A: 6h00
